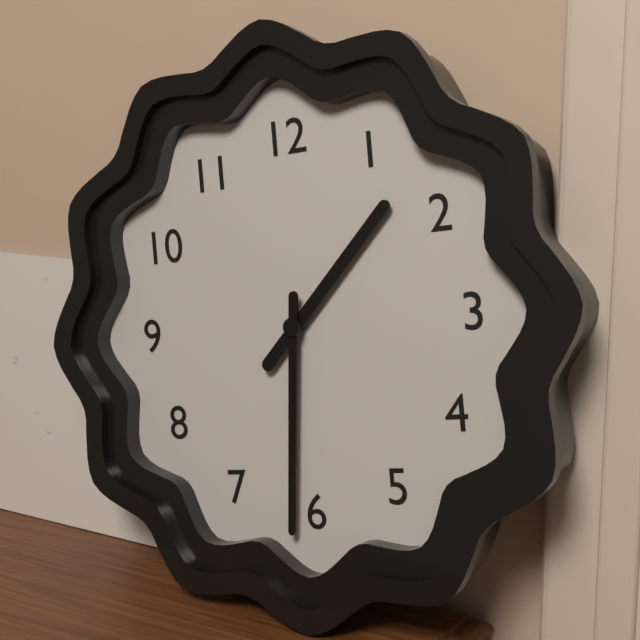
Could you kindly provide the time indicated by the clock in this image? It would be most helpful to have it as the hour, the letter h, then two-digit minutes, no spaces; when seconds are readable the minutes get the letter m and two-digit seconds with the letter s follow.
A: 1h31
